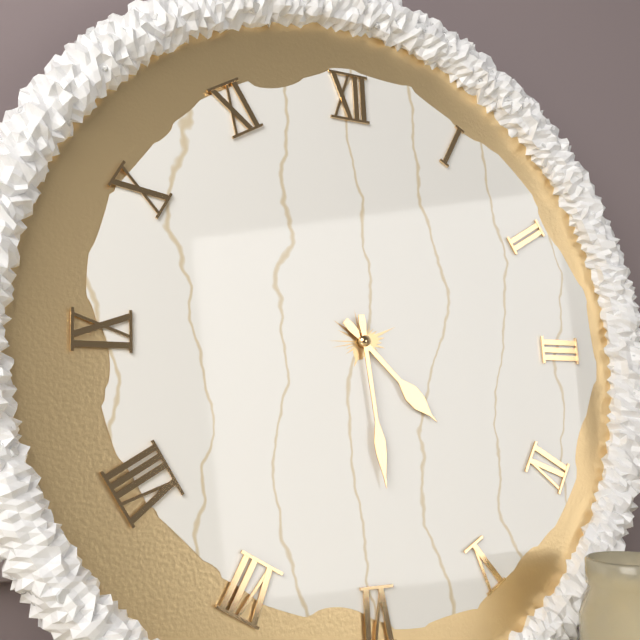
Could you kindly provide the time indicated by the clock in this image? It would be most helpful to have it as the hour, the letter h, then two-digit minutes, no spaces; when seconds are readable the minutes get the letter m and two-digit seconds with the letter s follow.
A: 4h29
